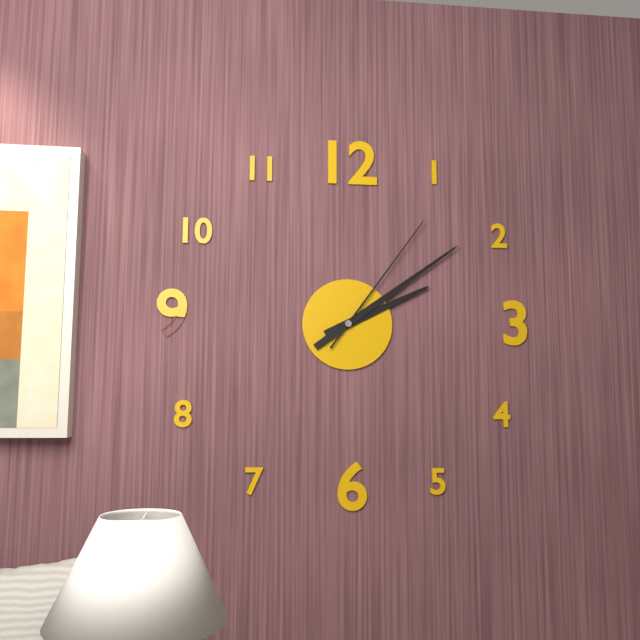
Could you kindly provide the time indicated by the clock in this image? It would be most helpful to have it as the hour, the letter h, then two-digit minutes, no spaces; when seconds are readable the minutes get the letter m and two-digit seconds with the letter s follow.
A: 2h09m06s
